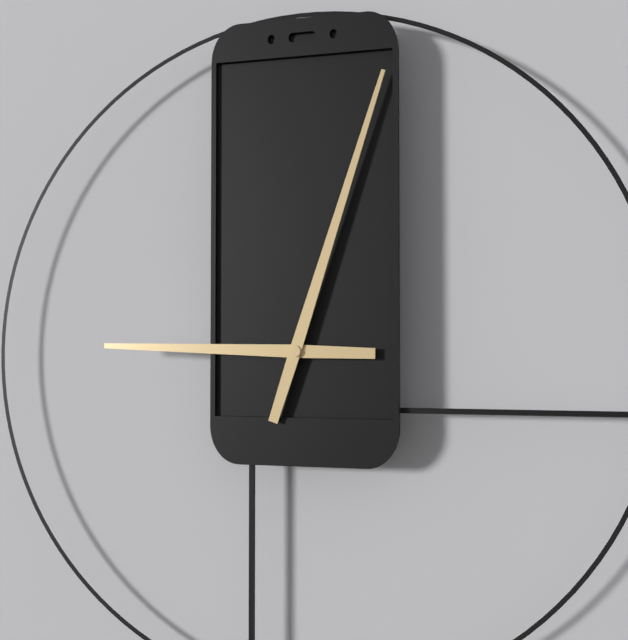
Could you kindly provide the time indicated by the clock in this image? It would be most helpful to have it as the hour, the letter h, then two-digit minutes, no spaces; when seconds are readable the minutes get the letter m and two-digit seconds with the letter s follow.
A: 9h03
